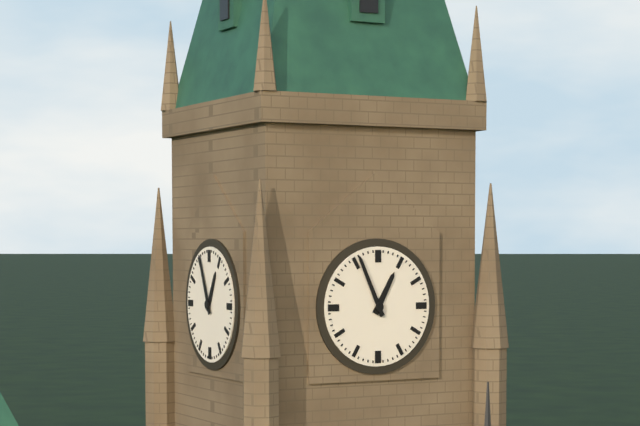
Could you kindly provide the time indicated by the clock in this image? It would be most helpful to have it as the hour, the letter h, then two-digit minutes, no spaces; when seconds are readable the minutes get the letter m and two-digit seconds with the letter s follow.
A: 12h56
